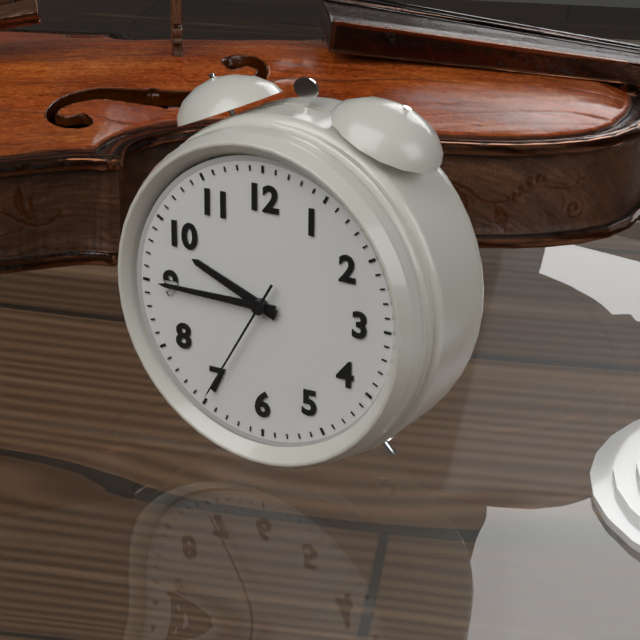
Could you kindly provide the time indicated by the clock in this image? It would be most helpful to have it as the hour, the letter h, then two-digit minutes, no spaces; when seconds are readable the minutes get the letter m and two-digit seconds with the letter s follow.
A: 9h45m35s
